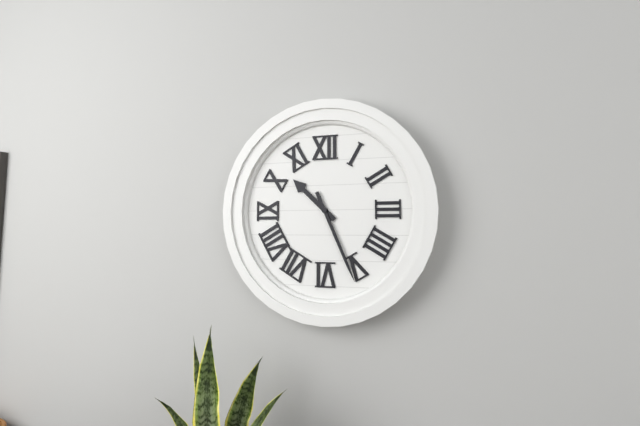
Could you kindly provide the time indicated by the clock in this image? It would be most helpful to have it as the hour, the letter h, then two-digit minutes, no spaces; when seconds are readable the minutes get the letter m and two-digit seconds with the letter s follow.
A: 10h26
